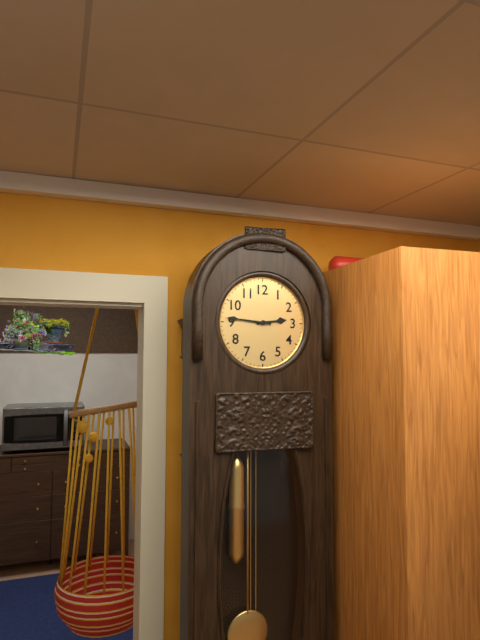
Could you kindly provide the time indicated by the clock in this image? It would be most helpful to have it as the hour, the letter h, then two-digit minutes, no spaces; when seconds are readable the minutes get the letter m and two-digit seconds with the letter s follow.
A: 2h46
